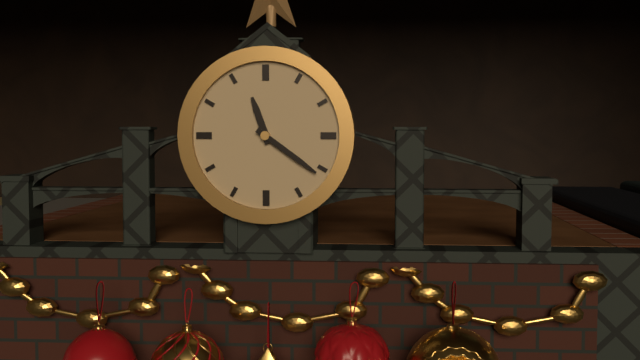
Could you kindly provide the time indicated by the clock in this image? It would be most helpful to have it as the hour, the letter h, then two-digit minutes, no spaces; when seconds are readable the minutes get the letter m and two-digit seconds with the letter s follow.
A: 11h21
